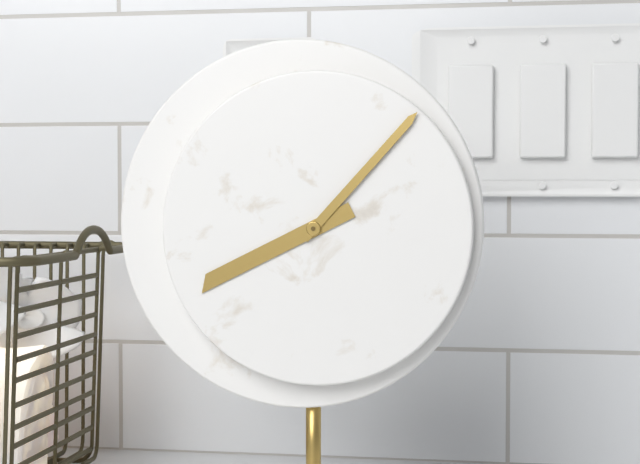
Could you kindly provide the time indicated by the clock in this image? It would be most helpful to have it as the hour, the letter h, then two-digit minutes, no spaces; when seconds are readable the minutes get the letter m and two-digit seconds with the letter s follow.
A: 8h07
